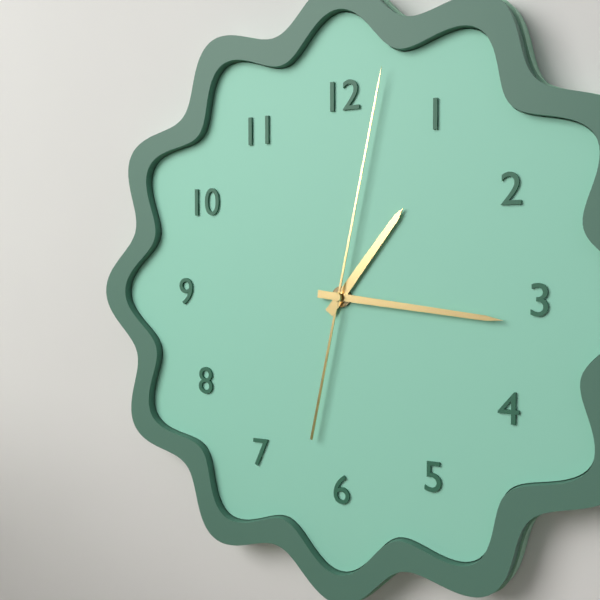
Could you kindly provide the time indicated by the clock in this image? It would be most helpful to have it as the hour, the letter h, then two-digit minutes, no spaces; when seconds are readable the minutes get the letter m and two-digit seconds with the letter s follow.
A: 1h16m02s
